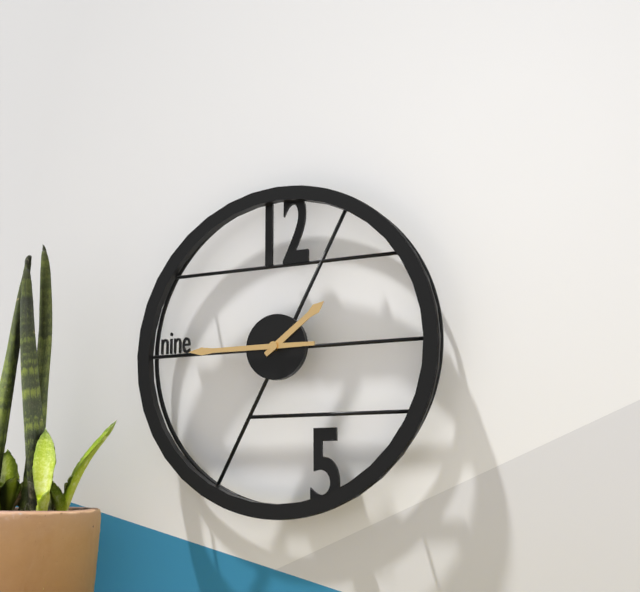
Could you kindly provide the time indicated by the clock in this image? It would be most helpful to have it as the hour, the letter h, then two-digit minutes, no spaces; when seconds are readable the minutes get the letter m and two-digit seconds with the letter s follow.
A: 1h45
